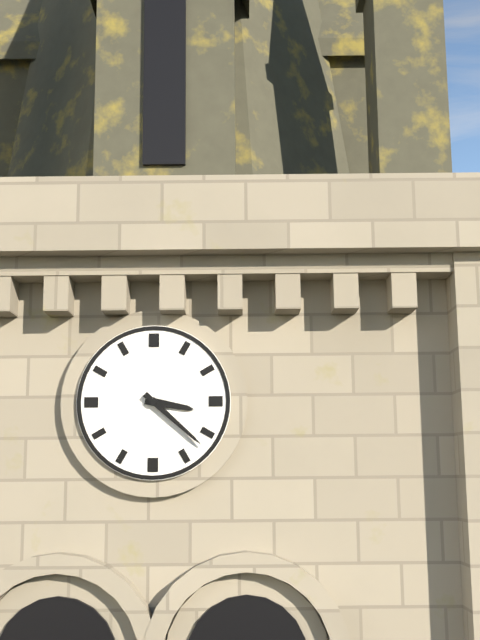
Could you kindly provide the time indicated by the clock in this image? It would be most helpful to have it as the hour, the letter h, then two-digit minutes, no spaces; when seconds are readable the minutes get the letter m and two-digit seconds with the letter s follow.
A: 3h22
